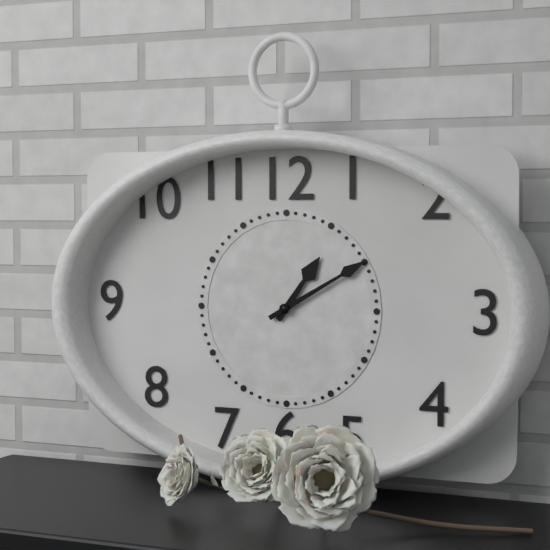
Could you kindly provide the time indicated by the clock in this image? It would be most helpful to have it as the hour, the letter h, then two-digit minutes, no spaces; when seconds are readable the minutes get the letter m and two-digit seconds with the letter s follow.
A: 1h10
